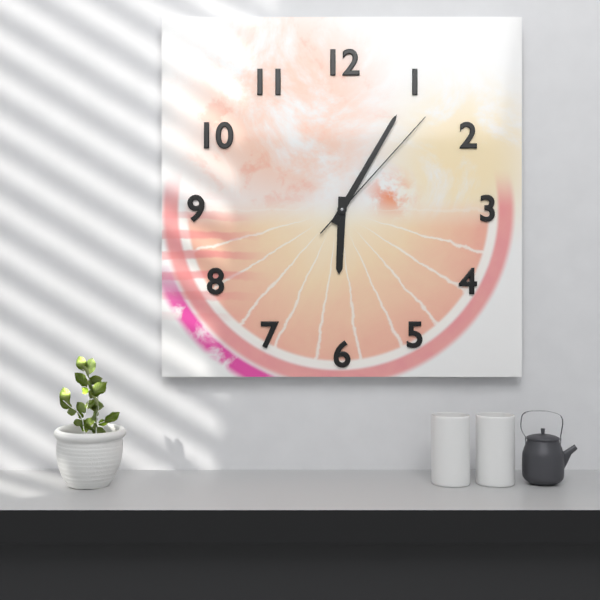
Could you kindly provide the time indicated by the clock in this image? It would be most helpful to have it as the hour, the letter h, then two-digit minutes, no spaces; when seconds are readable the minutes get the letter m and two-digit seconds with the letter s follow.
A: 6h05m07s
